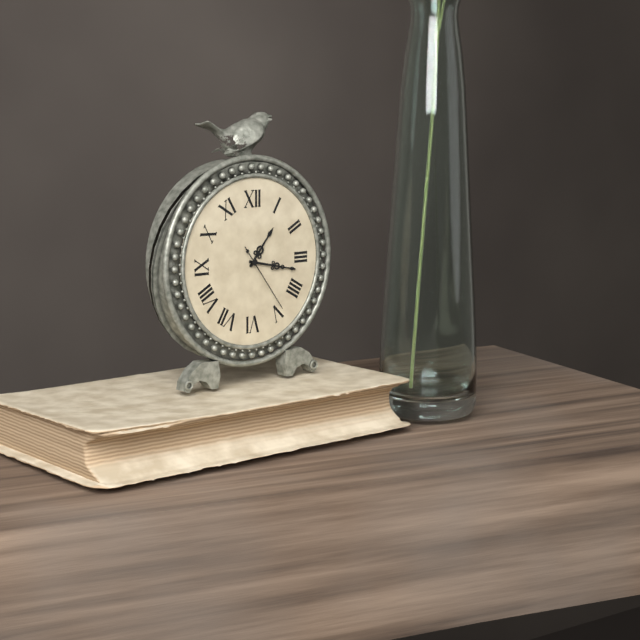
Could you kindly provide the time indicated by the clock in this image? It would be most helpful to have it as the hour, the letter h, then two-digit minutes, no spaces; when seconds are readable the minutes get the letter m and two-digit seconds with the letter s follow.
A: 1h17m24s
